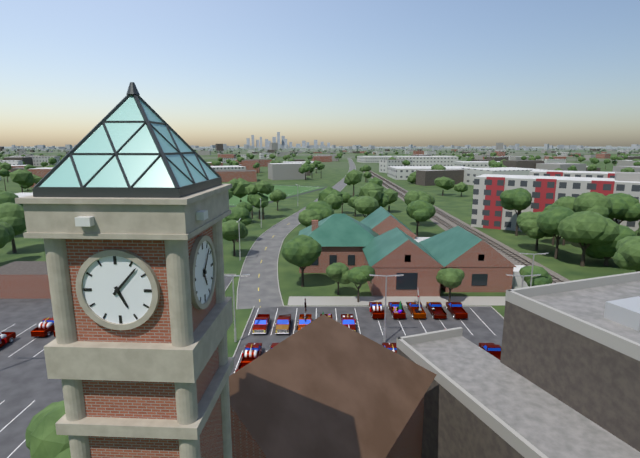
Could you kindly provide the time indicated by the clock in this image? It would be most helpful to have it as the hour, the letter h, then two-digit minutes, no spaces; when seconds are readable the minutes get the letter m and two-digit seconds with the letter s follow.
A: 5h07
